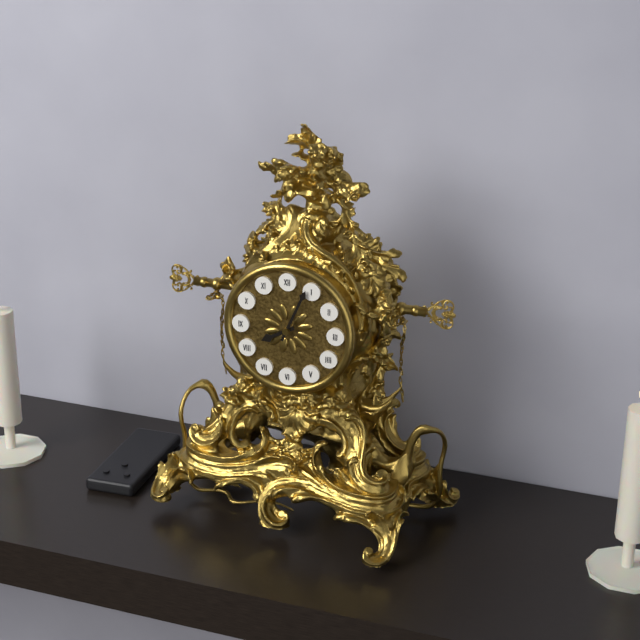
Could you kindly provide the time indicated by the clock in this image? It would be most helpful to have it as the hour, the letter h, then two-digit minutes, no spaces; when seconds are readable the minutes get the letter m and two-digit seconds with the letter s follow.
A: 8h04
